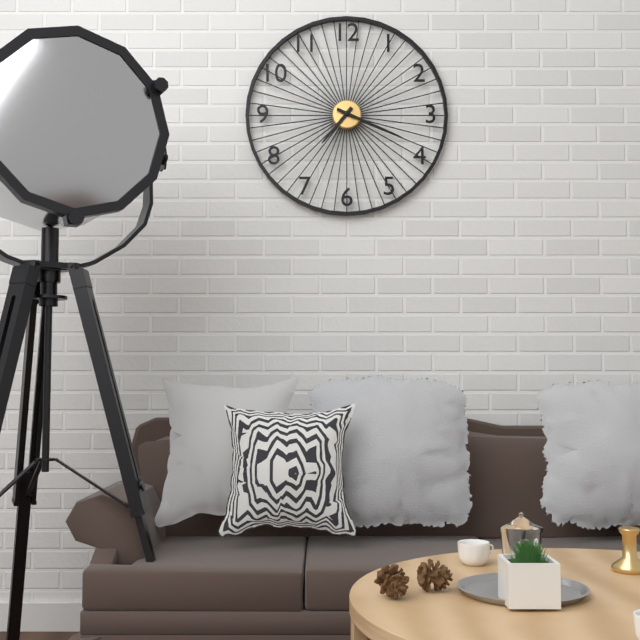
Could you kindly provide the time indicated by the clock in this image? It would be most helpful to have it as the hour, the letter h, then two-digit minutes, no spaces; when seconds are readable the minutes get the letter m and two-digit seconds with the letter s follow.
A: 7h19
